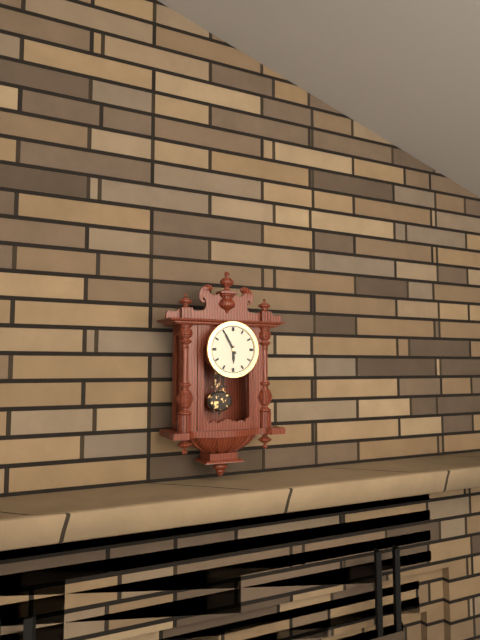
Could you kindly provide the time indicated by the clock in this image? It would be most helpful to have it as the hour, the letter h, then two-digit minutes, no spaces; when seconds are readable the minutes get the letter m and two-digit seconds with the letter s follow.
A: 5h55
